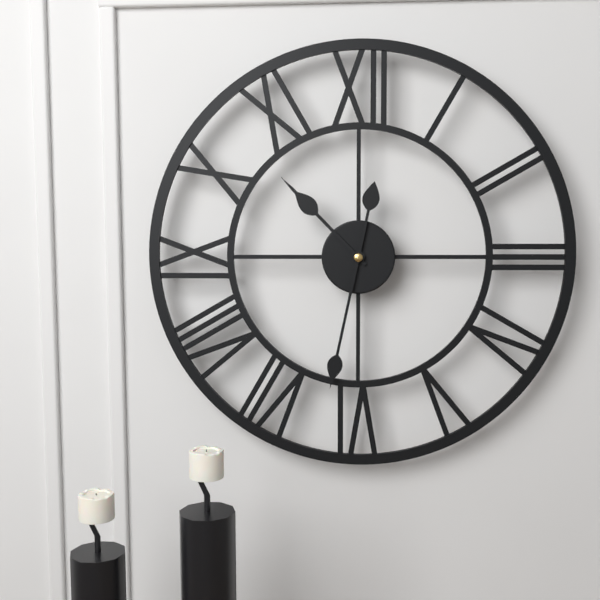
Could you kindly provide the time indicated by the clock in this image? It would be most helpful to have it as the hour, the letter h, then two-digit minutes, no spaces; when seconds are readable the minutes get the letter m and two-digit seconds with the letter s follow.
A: 10h32
